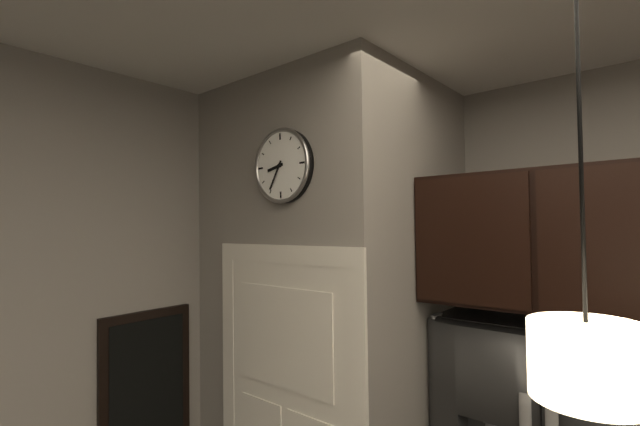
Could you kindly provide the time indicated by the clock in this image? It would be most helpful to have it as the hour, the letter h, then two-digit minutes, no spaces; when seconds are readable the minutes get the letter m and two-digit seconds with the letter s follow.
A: 8h35
